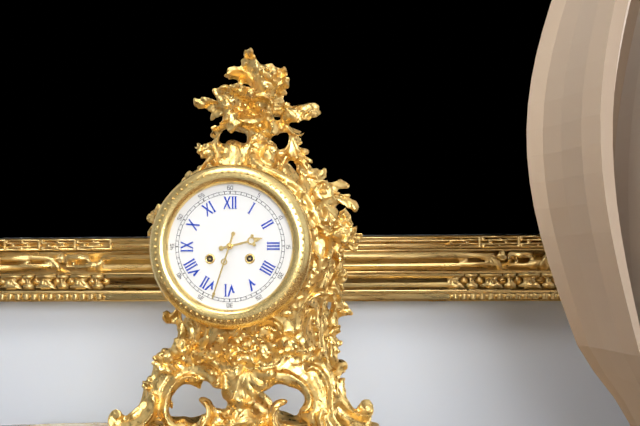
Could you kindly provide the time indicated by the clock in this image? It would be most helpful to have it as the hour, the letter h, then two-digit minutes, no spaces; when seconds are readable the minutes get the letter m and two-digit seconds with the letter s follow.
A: 2h33
